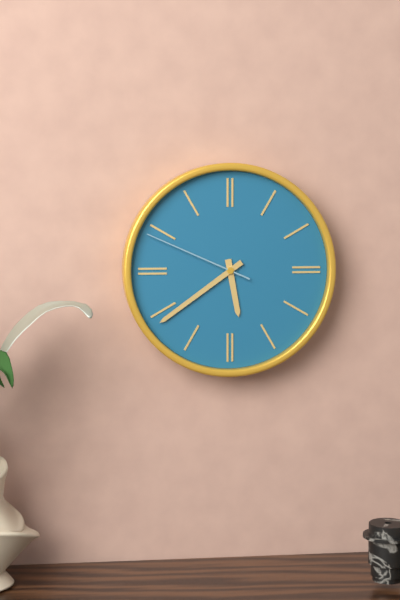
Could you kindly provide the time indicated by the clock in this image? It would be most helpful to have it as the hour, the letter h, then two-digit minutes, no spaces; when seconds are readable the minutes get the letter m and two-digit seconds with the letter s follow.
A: 5h39m49s
